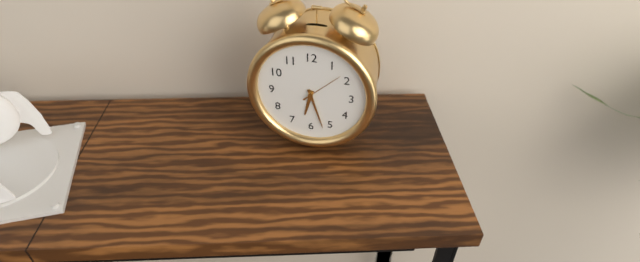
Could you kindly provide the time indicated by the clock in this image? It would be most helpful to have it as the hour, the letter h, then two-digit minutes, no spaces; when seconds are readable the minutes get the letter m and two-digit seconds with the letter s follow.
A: 6h27
